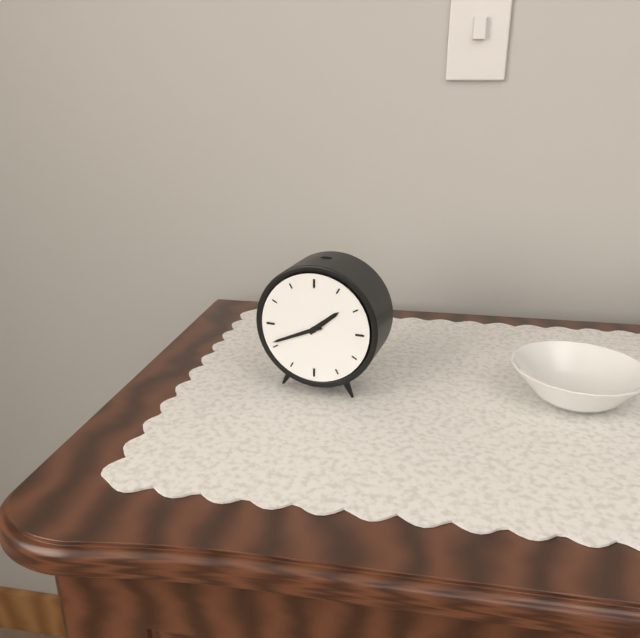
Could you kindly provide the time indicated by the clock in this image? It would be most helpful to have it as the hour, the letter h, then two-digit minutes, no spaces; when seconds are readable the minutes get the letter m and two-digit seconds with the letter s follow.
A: 1h41
